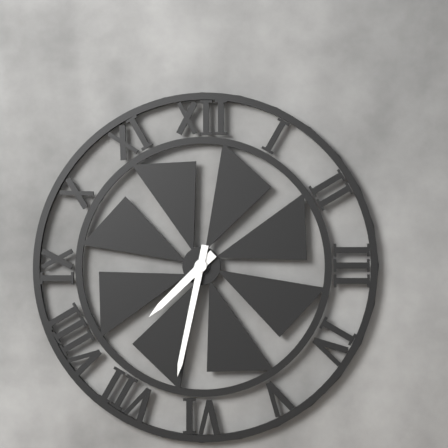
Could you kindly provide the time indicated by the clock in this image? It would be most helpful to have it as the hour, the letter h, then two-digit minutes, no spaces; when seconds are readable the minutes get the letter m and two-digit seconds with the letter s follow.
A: 7h32
